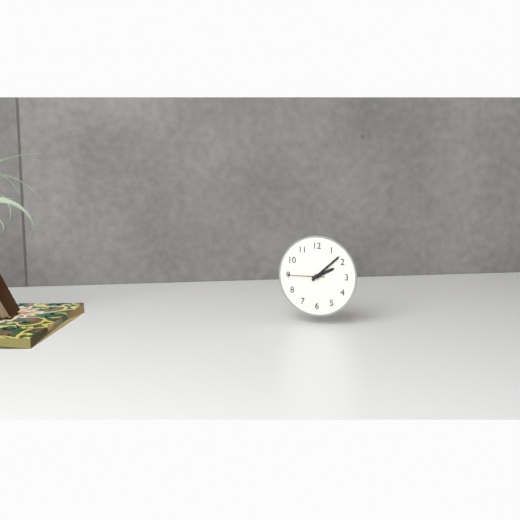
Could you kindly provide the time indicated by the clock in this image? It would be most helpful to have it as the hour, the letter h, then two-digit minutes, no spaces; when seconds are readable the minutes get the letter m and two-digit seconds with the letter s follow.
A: 2h08
